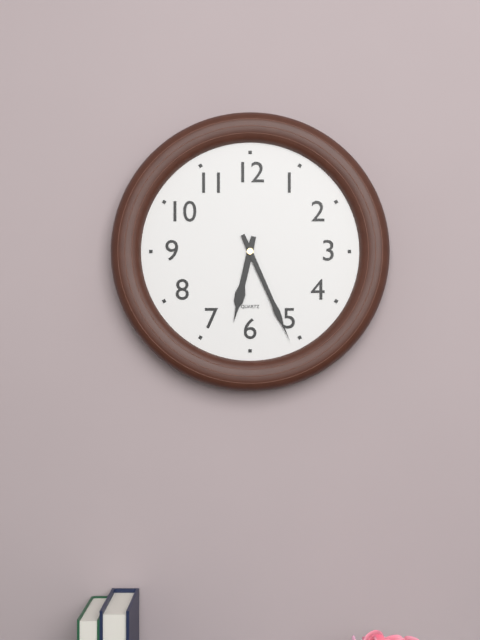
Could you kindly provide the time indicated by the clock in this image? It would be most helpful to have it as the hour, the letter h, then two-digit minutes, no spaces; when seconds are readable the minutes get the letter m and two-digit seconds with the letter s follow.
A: 6h26
